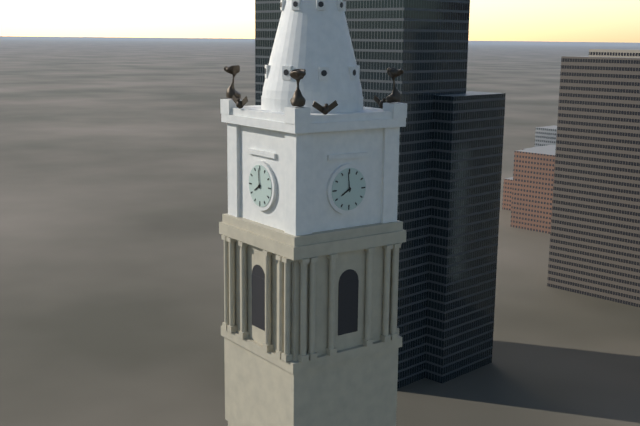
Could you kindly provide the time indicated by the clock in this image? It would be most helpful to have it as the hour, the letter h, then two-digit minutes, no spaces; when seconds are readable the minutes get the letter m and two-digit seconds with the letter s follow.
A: 7h59
